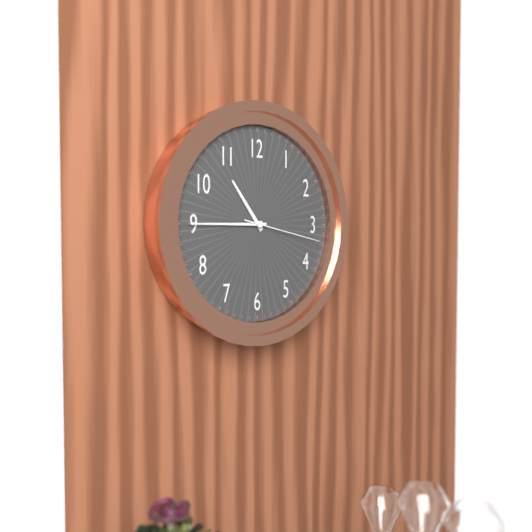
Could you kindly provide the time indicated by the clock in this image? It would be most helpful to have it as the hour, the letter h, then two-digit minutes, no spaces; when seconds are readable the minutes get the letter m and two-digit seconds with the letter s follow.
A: 10h45m17s
